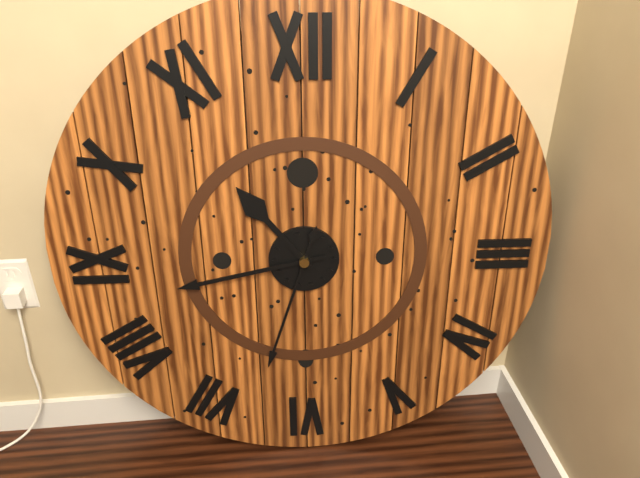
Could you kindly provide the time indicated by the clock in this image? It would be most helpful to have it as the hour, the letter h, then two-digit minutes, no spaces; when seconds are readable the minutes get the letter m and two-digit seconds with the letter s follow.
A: 10h43m33s
